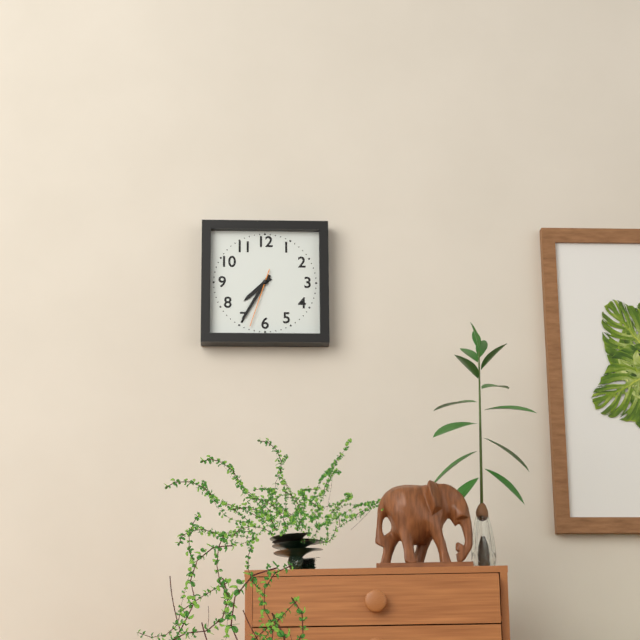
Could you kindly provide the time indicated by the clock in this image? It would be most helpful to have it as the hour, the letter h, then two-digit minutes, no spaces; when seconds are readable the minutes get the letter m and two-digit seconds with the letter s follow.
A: 7h35m33s
